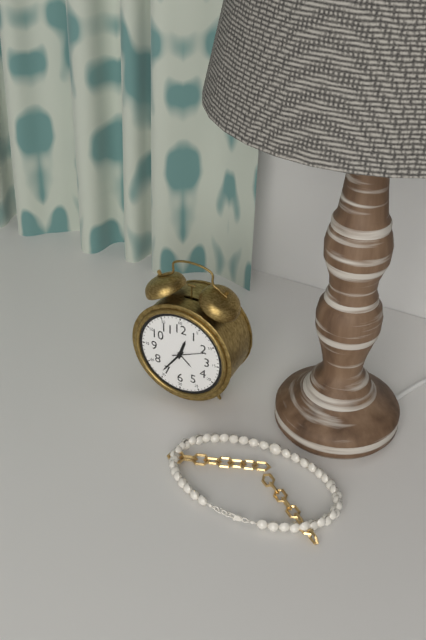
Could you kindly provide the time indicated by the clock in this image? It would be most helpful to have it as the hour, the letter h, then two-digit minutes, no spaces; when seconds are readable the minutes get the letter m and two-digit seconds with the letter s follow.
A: 12h36
